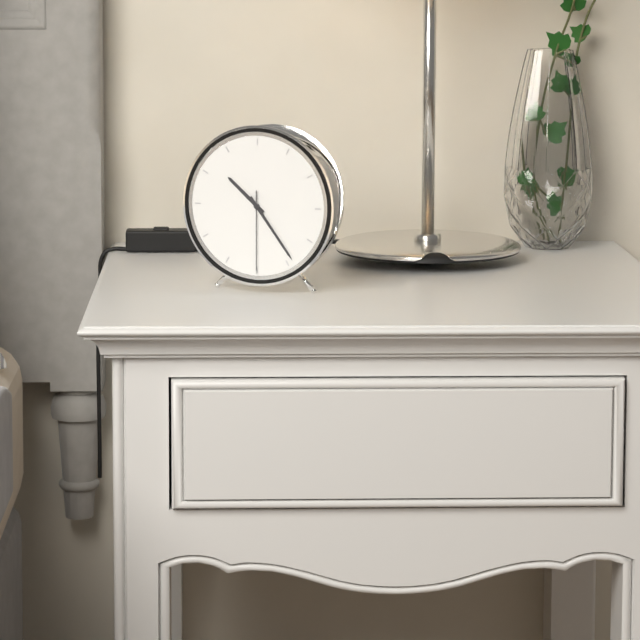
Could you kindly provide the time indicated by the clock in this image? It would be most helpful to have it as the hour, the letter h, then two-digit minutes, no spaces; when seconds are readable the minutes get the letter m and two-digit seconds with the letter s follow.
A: 10h24m30s
